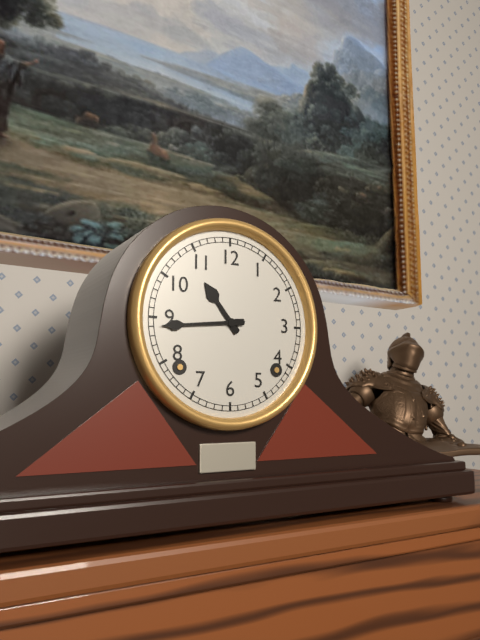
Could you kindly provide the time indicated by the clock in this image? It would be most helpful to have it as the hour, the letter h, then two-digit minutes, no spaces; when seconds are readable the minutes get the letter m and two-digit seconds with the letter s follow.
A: 10h44
